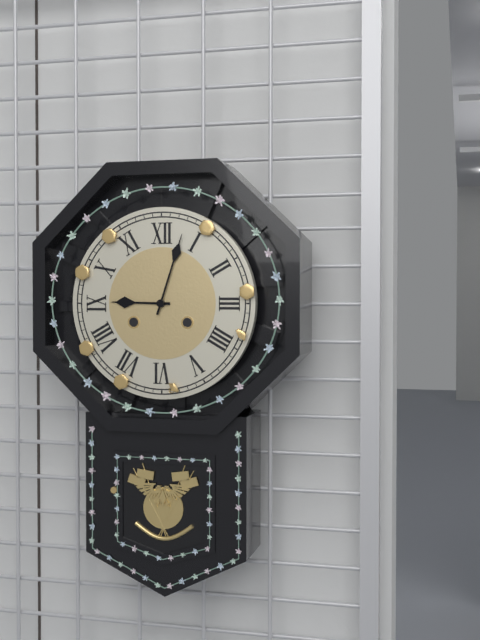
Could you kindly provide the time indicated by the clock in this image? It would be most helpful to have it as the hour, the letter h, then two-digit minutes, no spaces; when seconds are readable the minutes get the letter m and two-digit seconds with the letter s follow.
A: 9h03
